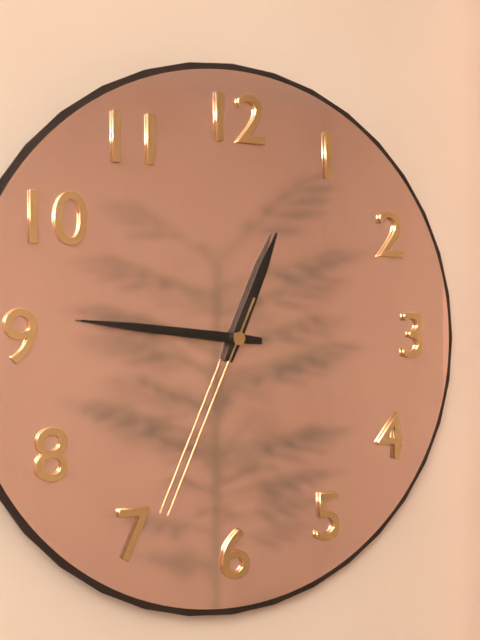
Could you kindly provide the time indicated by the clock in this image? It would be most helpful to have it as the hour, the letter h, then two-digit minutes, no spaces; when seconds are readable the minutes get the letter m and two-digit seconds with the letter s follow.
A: 12h46m34s
